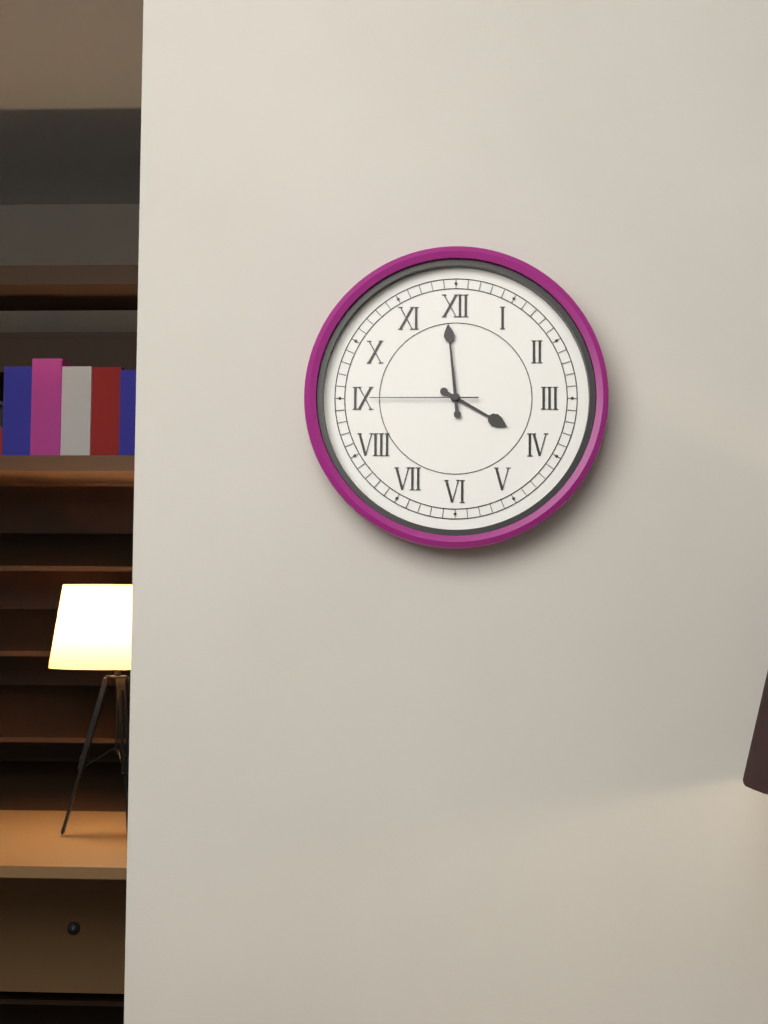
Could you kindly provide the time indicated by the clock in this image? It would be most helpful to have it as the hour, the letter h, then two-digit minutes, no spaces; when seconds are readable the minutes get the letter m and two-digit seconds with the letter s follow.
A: 3h59m45s
